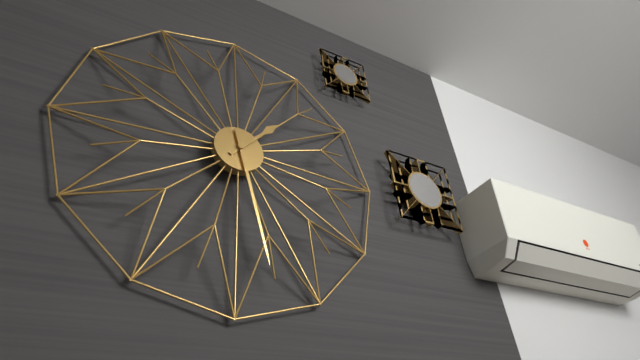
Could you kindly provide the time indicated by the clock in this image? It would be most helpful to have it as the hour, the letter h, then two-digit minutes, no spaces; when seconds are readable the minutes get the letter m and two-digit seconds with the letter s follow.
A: 1h28
